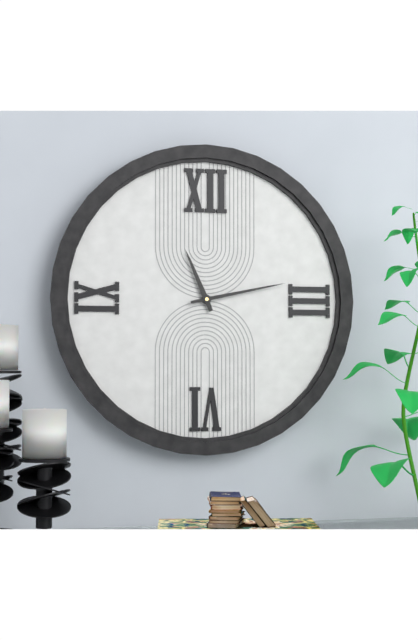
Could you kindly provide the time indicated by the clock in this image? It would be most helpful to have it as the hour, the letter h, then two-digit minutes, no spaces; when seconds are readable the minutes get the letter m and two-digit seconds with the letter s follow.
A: 11h13
